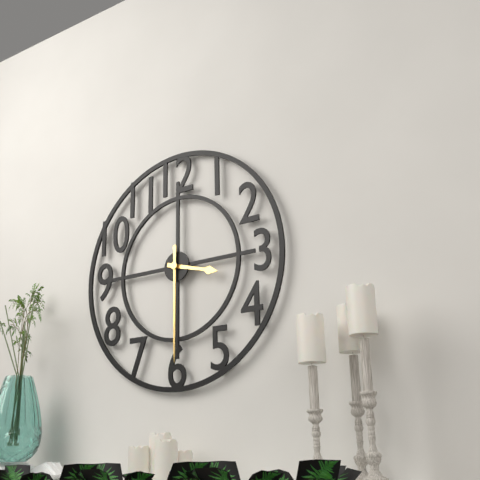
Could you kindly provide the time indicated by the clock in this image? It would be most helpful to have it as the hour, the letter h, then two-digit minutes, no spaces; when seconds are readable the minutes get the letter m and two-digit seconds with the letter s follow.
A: 3h30
